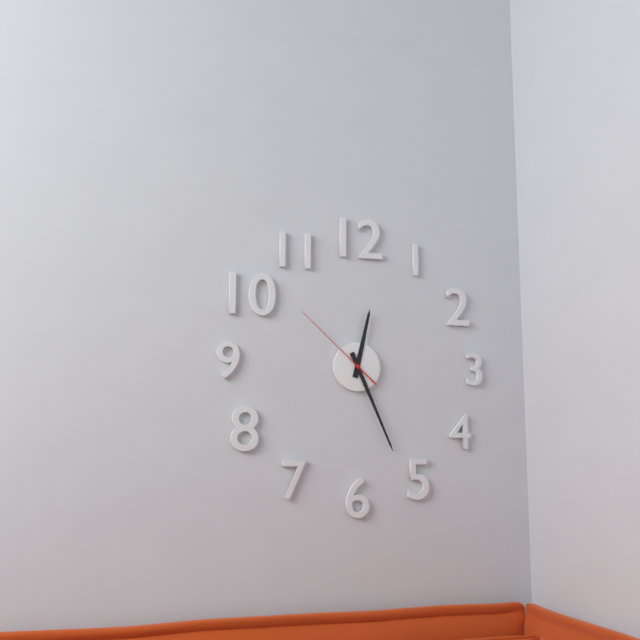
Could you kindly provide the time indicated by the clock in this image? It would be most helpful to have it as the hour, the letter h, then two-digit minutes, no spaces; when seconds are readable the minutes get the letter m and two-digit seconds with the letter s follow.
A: 12h26m52s
